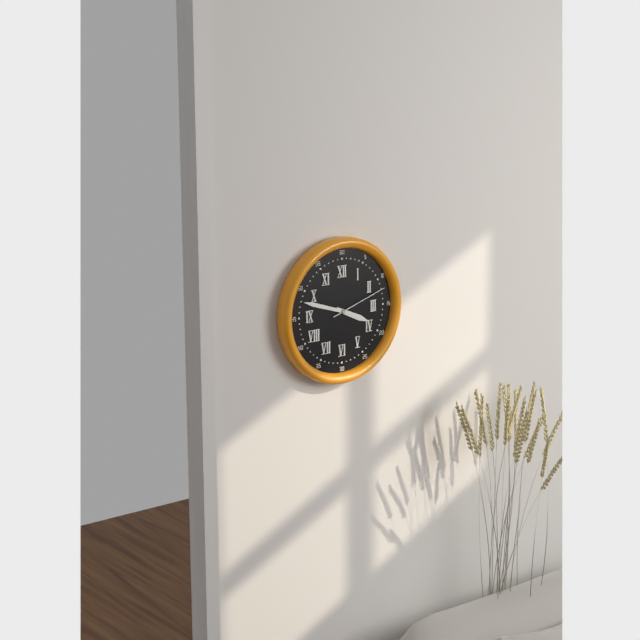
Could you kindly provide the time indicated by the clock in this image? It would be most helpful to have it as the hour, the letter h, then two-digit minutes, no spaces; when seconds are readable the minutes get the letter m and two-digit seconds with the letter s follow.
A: 3h48m12s
